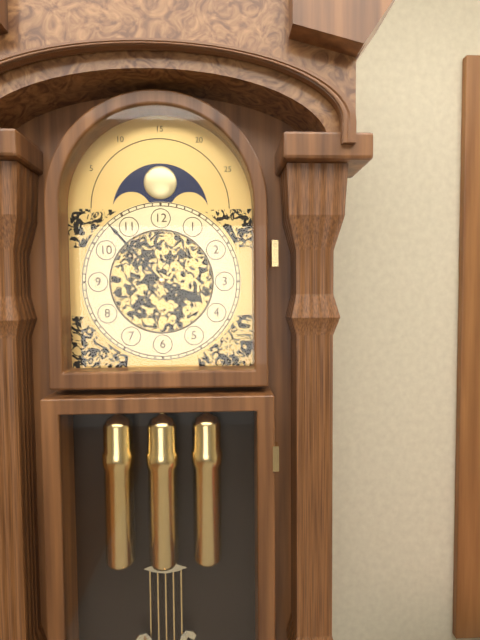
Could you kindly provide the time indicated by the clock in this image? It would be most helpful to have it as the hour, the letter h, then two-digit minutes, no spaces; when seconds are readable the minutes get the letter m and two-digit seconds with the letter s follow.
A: 3h53
